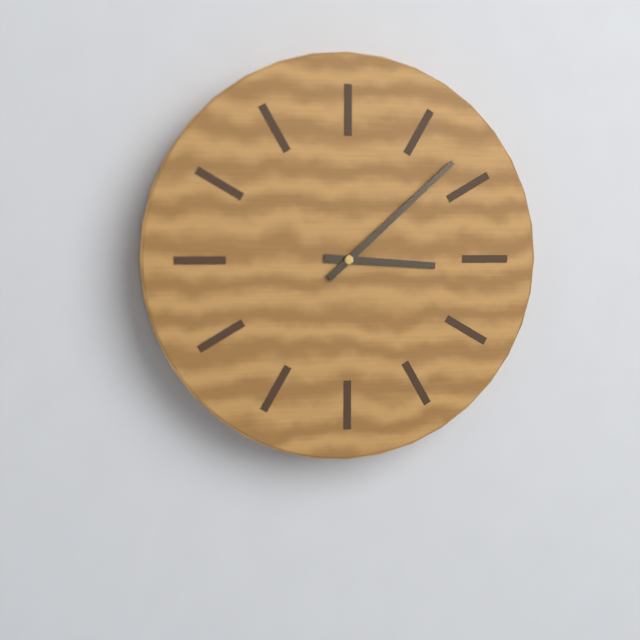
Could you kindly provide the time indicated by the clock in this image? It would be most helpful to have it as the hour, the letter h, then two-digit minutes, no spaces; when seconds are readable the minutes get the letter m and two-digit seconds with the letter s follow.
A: 3h08
